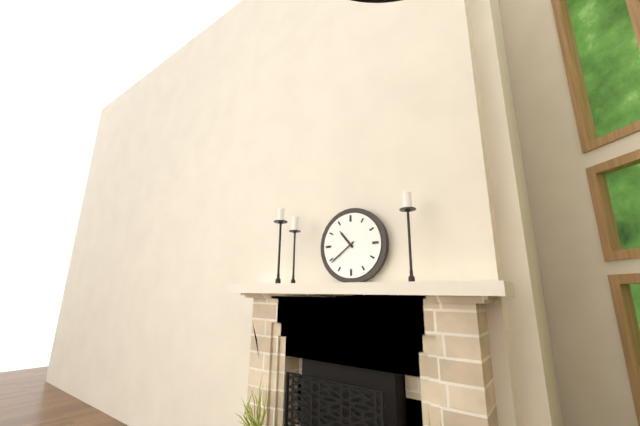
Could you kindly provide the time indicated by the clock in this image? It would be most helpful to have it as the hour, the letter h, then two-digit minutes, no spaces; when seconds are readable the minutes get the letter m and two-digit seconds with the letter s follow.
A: 10h39
